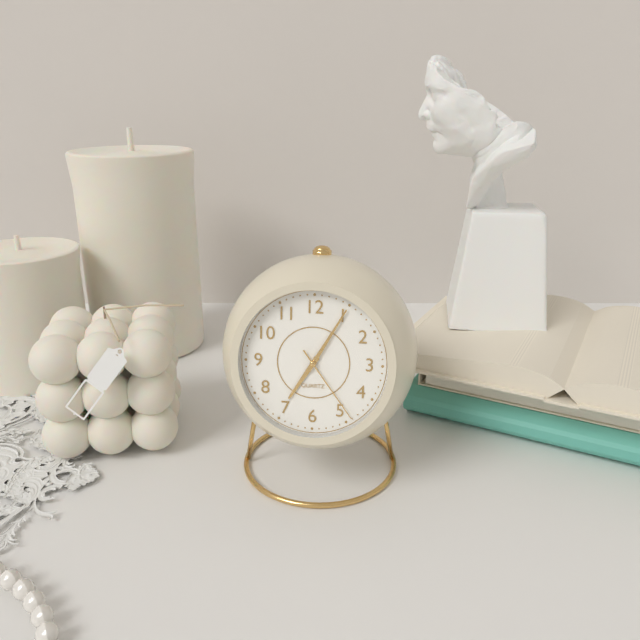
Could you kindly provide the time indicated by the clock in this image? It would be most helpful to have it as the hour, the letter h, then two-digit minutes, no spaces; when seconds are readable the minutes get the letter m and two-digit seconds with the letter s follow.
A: 7h05m24s
